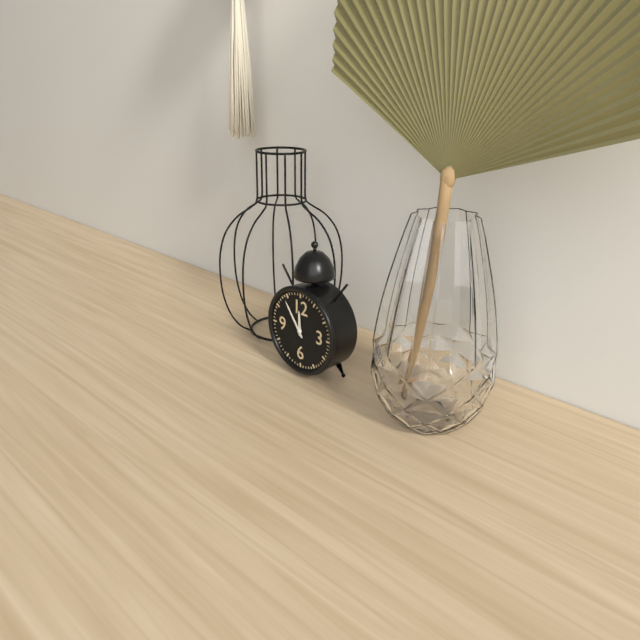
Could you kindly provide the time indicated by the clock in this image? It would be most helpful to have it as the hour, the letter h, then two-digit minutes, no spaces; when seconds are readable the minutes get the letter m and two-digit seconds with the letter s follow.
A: 11h54
